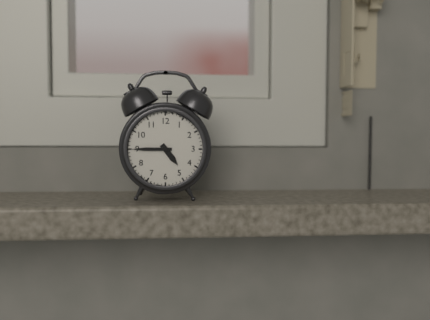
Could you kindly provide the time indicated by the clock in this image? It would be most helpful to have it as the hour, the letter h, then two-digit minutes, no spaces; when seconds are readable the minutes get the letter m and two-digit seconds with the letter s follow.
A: 4h45
